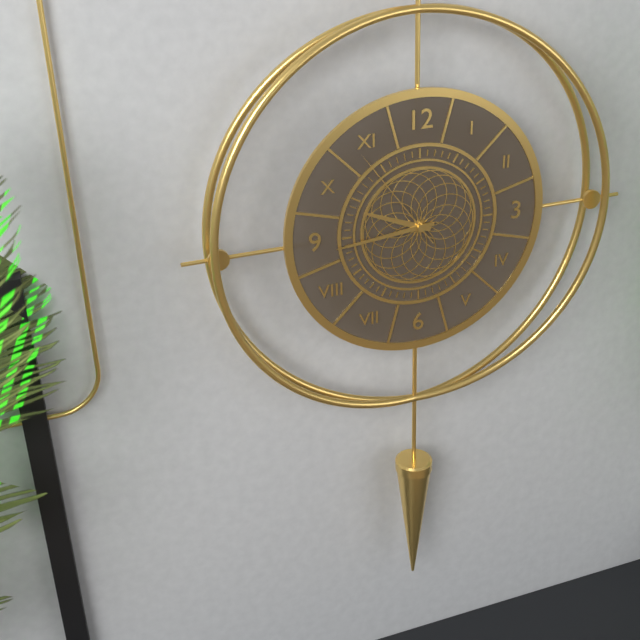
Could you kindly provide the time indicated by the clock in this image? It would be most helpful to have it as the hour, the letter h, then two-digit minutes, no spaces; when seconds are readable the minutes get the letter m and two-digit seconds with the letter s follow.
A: 9h44m54s
